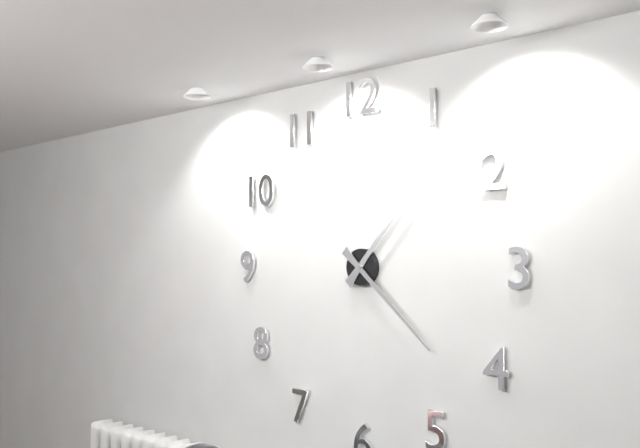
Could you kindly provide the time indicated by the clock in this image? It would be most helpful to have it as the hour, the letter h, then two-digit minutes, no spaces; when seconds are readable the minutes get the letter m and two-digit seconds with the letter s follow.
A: 1h22
